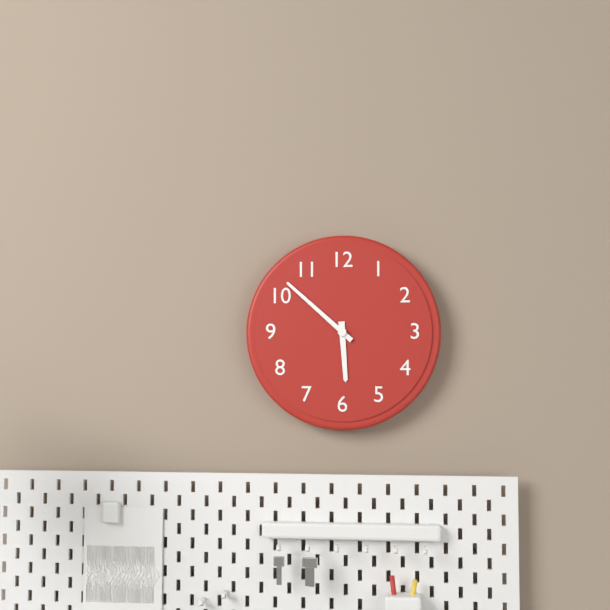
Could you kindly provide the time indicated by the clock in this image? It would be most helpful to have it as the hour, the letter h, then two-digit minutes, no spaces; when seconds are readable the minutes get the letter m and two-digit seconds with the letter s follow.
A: 5h52
